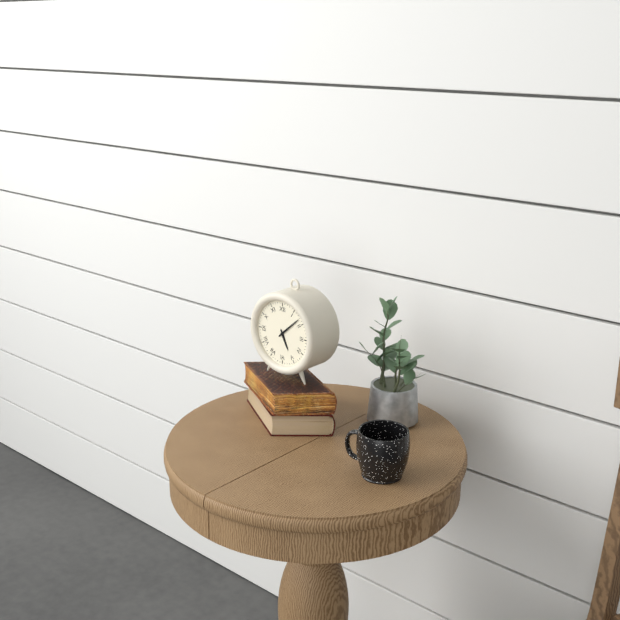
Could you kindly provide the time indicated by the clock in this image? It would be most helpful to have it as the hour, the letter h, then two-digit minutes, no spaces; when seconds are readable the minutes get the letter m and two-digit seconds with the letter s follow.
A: 5h08
